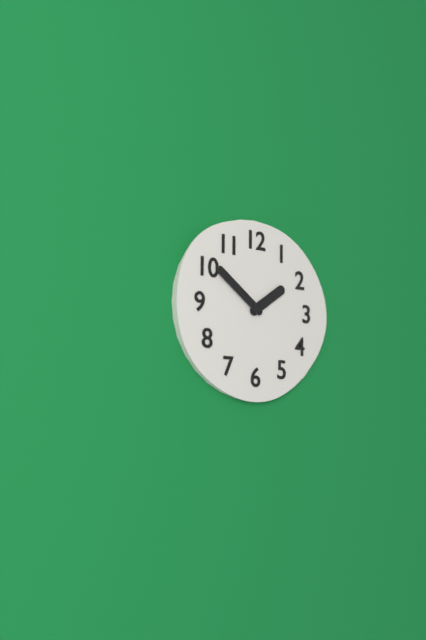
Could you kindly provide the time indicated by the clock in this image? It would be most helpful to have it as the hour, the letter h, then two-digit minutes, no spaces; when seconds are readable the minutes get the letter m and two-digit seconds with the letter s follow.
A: 1h51
